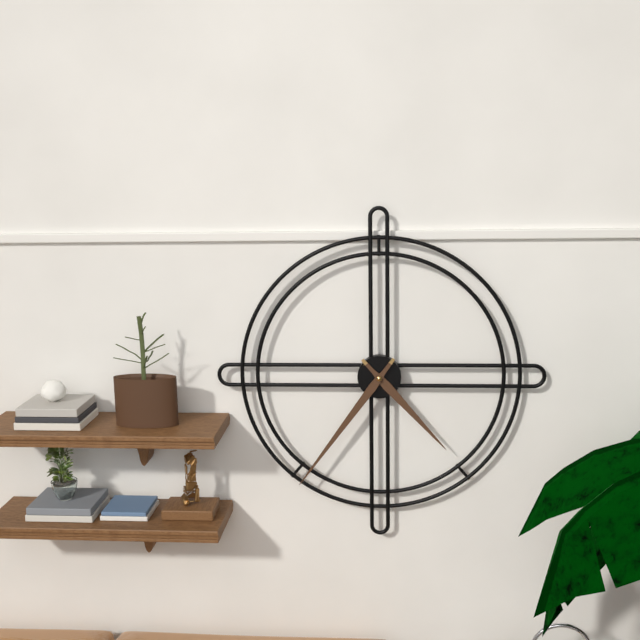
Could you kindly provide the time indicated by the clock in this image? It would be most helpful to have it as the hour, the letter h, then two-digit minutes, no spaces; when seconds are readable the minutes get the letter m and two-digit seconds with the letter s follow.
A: 4h36
